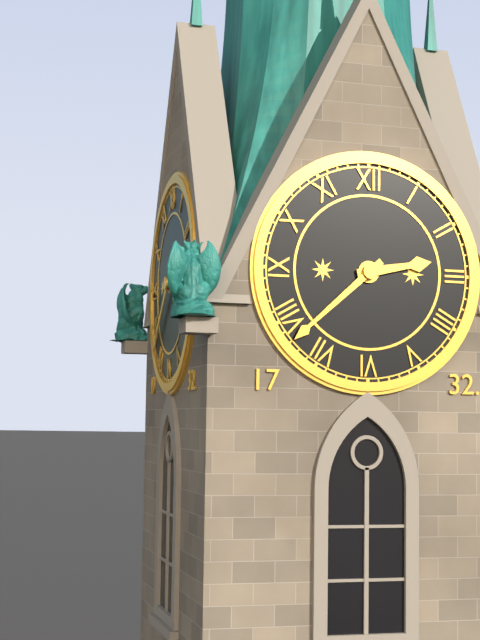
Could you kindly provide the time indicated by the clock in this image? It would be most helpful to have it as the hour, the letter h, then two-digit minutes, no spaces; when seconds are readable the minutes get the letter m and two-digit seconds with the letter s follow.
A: 2h38
